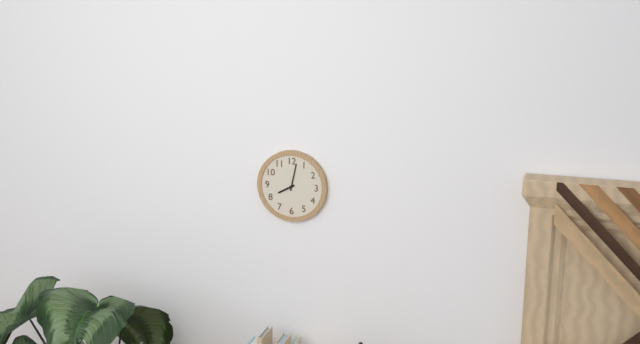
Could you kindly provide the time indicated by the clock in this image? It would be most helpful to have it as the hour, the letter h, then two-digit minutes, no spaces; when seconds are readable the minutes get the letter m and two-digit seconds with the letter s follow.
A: 8h02
